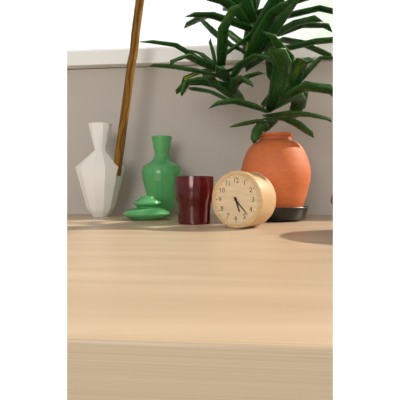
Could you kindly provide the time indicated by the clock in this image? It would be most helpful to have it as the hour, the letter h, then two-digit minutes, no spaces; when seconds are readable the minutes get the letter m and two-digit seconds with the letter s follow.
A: 5h23
